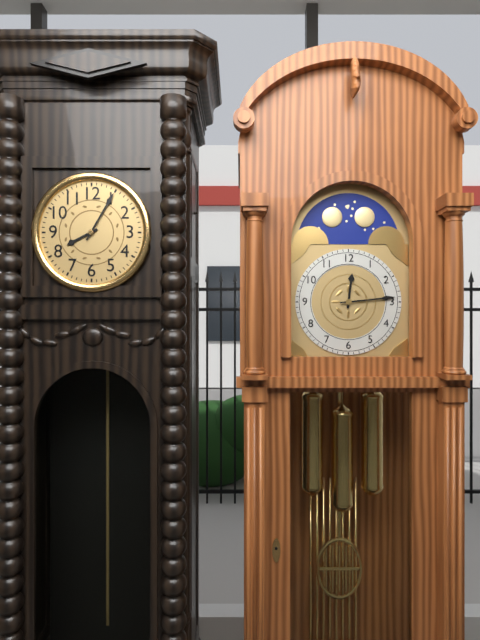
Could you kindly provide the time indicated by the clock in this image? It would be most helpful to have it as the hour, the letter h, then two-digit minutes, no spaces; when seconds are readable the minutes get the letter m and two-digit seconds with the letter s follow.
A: 8h05
